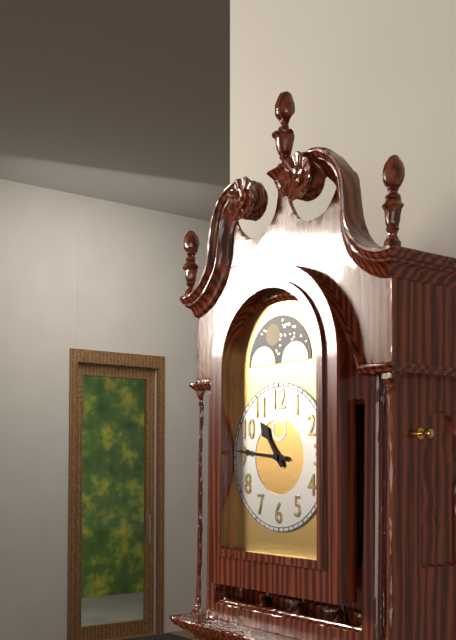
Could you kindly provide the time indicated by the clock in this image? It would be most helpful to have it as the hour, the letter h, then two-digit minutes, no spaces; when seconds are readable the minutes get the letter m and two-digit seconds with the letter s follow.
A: 10h46
